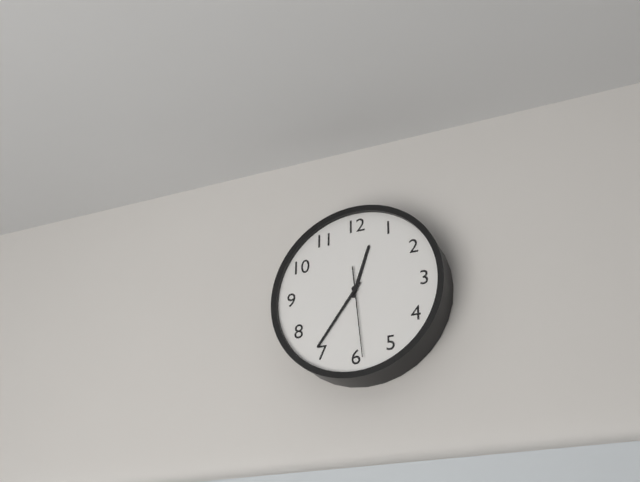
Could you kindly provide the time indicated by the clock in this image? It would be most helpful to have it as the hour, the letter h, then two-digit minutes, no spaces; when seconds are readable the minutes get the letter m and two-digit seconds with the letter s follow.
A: 12h36m29s
